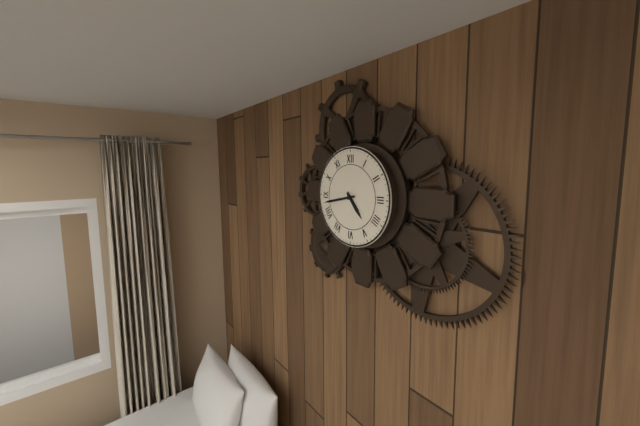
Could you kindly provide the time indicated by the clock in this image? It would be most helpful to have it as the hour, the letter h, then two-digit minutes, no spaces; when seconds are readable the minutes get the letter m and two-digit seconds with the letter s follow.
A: 4h43
